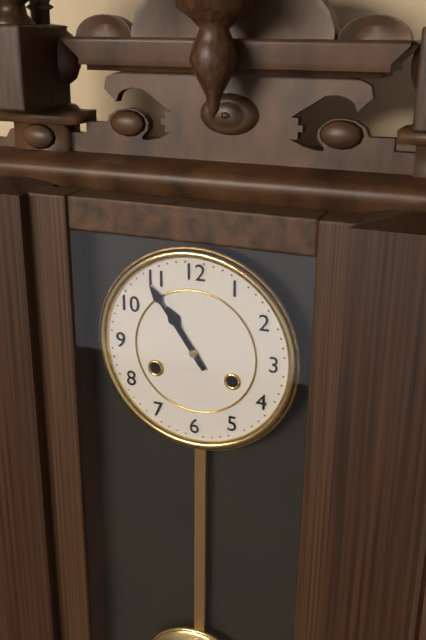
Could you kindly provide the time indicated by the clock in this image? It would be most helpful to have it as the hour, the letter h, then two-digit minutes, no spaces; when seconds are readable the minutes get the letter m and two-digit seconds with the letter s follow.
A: 10h54
